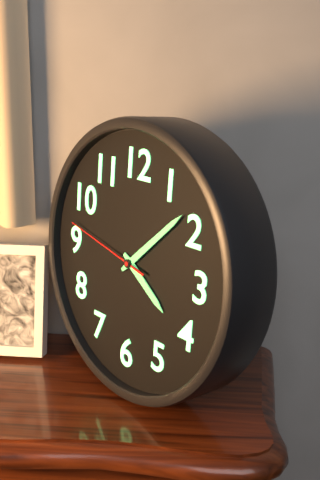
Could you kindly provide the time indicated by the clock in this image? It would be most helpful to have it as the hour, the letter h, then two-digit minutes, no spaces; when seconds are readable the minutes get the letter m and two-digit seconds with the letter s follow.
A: 4h08m47s
